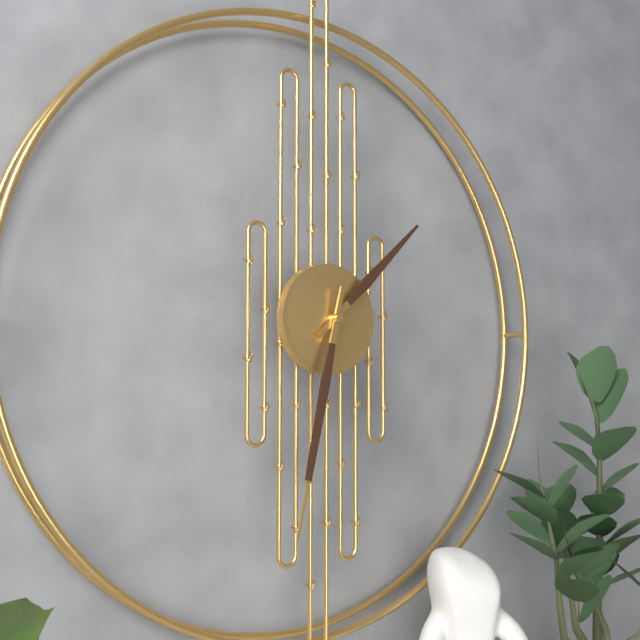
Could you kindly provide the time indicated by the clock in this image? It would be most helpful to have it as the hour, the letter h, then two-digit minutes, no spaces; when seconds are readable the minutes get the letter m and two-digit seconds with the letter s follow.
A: 1h32
